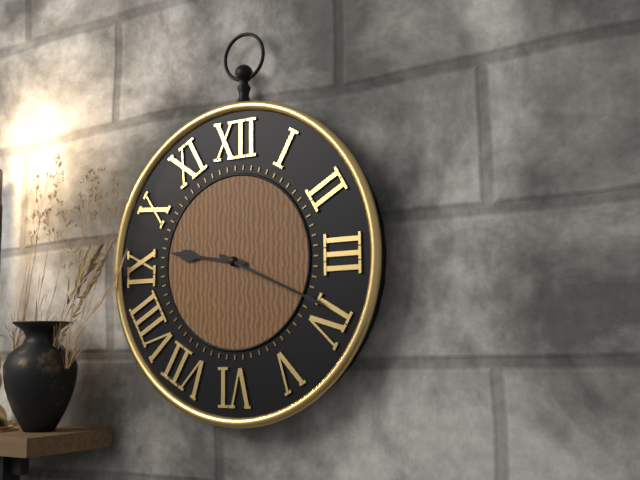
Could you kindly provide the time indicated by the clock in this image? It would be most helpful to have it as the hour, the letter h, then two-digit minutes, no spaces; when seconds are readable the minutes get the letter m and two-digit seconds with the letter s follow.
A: 9h19
